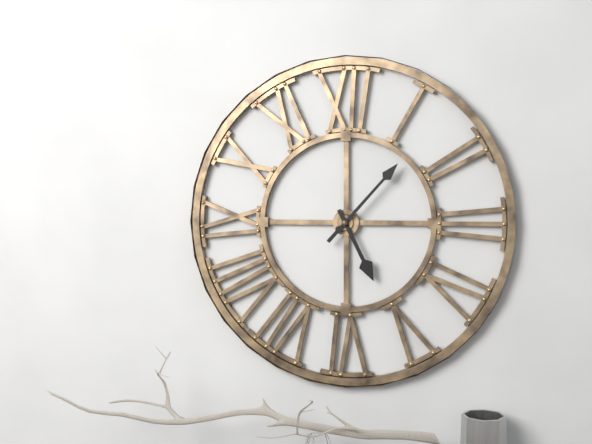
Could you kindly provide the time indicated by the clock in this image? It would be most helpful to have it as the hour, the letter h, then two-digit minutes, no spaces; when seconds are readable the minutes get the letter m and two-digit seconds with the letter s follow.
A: 5h07
